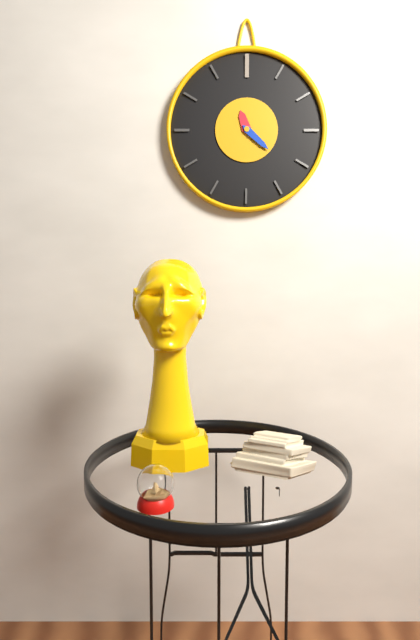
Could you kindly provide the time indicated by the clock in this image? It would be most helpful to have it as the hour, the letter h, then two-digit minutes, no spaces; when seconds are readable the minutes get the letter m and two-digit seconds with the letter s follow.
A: 11h22
